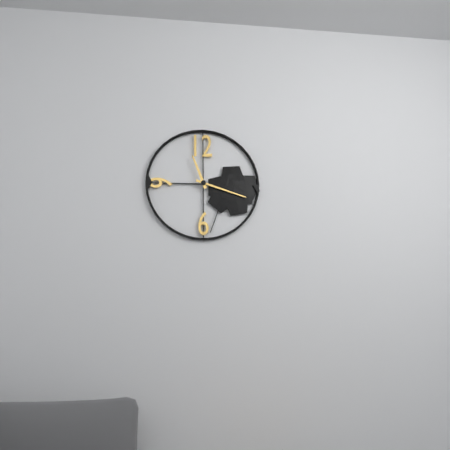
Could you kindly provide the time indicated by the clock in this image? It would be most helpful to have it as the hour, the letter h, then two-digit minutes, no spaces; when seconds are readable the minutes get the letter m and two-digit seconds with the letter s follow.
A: 11h18
